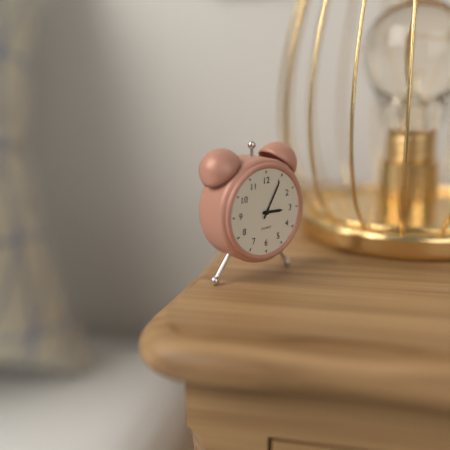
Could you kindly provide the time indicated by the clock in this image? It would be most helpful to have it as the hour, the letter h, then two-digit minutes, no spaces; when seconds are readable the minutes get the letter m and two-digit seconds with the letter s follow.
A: 3h05
